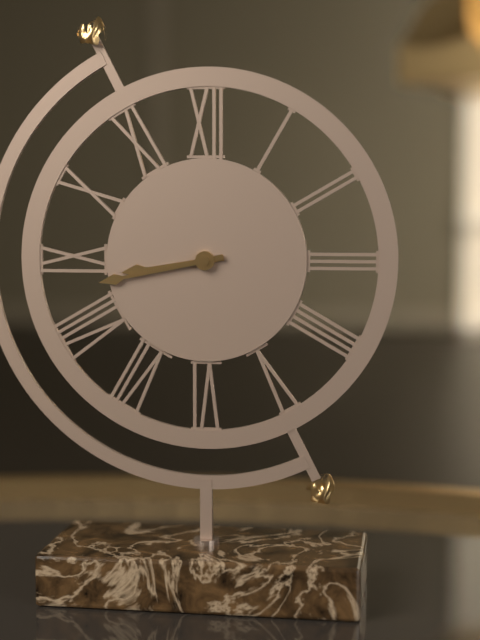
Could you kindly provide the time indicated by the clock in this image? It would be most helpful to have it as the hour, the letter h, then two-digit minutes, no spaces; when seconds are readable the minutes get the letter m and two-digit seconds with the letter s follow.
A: 8h43
